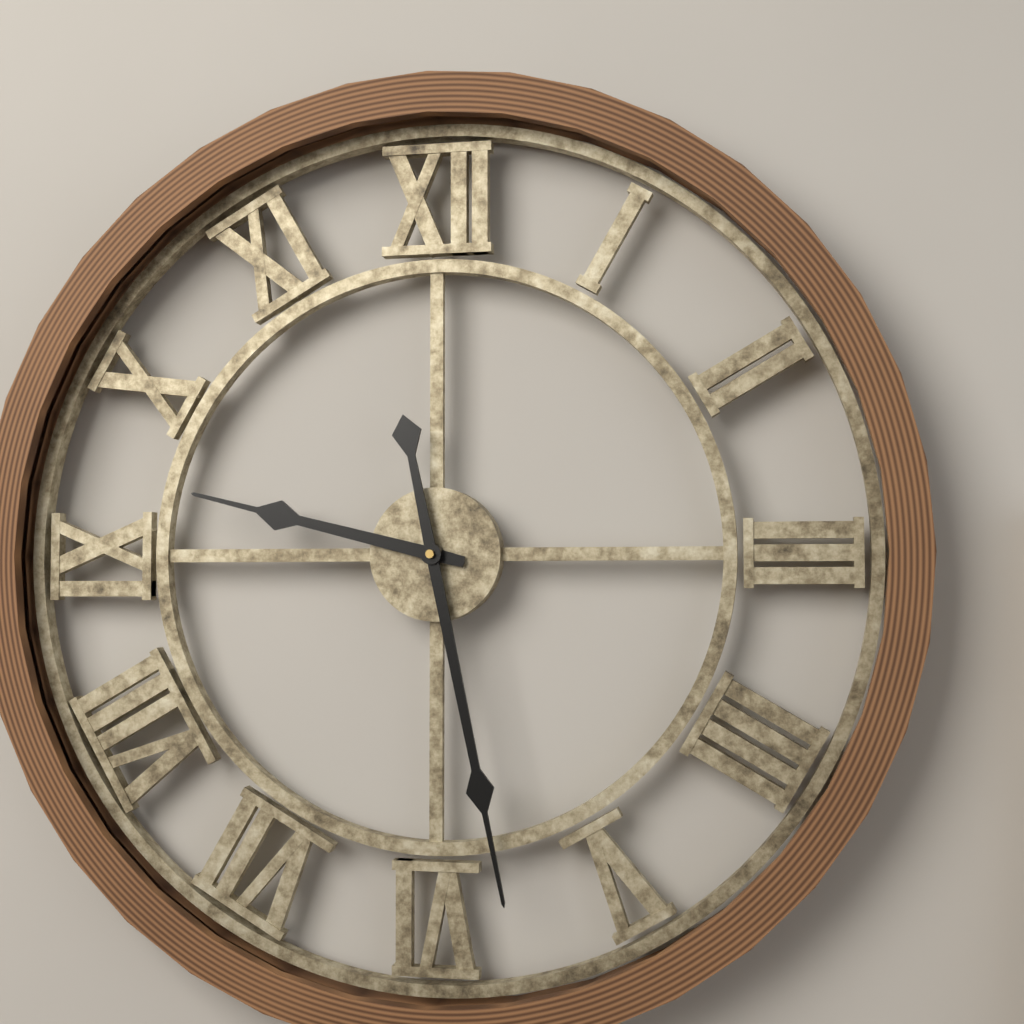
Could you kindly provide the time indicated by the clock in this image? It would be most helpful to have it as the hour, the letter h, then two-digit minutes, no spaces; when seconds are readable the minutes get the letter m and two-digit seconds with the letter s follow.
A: 9h28
